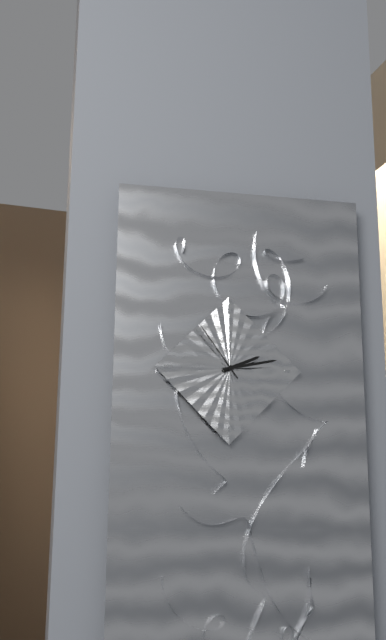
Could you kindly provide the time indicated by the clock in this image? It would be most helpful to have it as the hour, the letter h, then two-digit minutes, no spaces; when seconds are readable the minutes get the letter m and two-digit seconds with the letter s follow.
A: 2h13m54s
